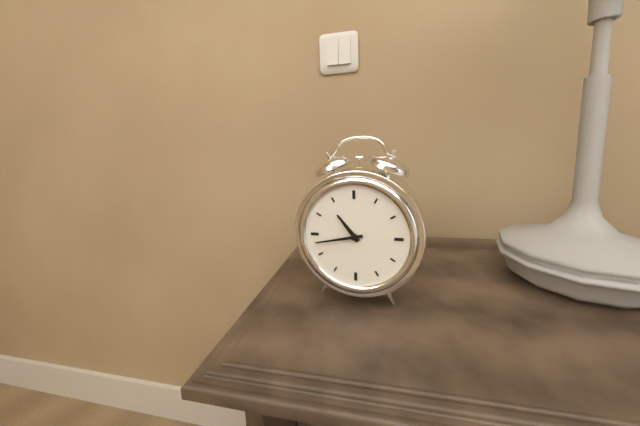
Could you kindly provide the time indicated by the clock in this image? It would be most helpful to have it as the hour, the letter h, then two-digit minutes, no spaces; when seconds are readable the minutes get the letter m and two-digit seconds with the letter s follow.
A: 10h43
